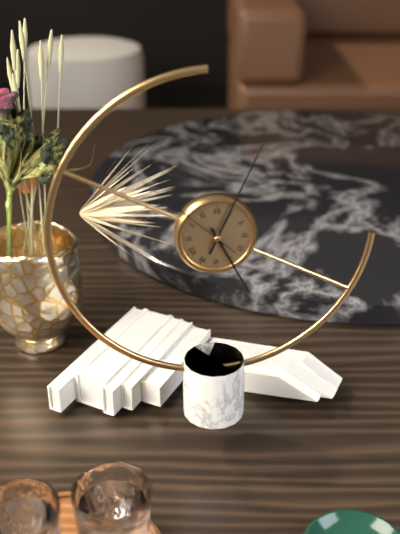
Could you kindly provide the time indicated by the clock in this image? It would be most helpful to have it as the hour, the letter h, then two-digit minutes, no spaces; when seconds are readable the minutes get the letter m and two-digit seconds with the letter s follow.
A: 5h04m52s
